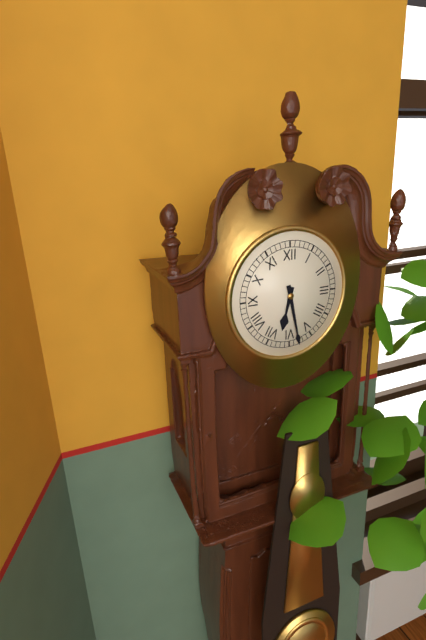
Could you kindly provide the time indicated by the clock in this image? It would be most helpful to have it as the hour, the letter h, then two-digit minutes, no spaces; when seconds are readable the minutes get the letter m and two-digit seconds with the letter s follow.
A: 6h28
